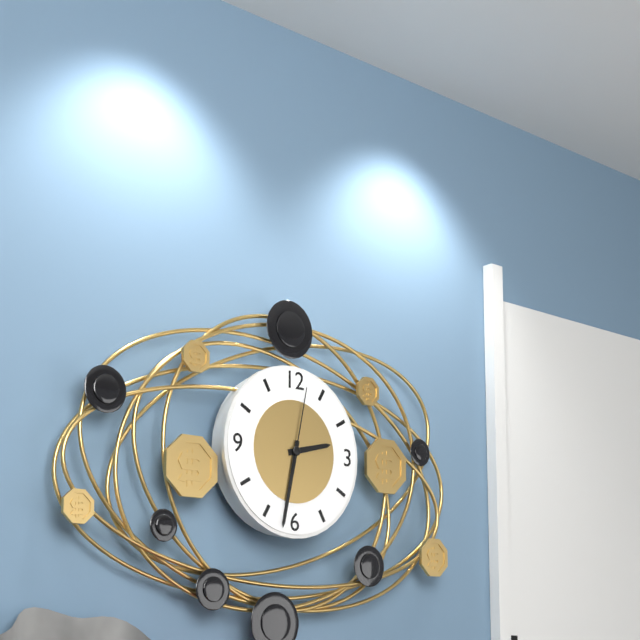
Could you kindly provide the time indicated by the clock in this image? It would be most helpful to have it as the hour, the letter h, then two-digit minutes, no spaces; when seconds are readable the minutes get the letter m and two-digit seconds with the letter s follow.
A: 2h32m02s
